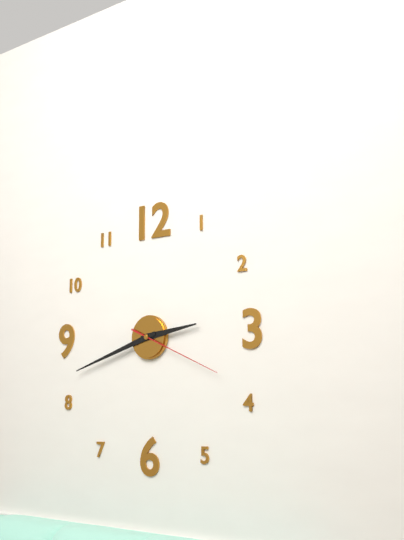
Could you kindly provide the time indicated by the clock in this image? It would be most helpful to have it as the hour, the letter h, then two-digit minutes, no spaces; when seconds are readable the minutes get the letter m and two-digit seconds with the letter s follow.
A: 2h42m19s
